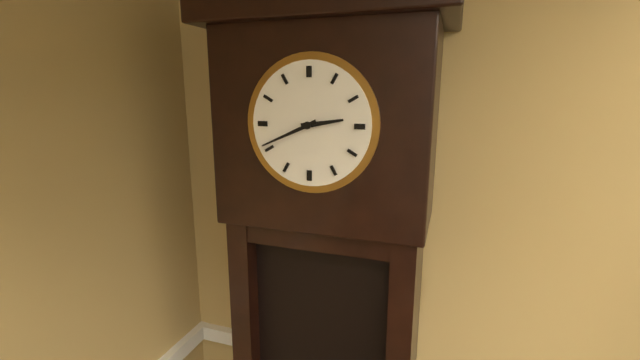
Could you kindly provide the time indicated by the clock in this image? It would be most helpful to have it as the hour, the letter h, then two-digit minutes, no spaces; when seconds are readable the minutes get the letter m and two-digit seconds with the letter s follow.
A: 2h41
